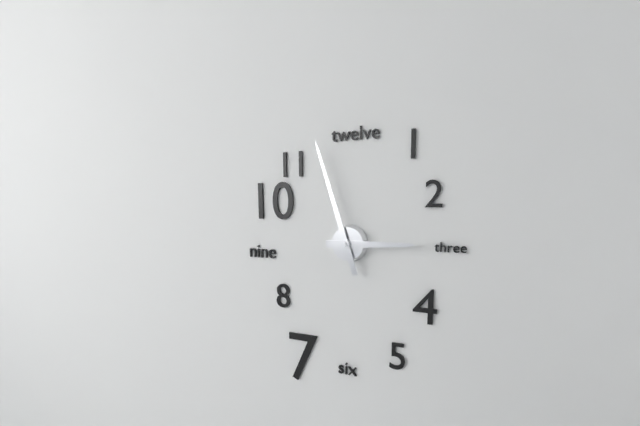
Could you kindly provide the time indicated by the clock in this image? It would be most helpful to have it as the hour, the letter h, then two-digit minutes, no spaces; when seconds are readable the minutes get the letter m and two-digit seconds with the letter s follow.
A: 2h57
